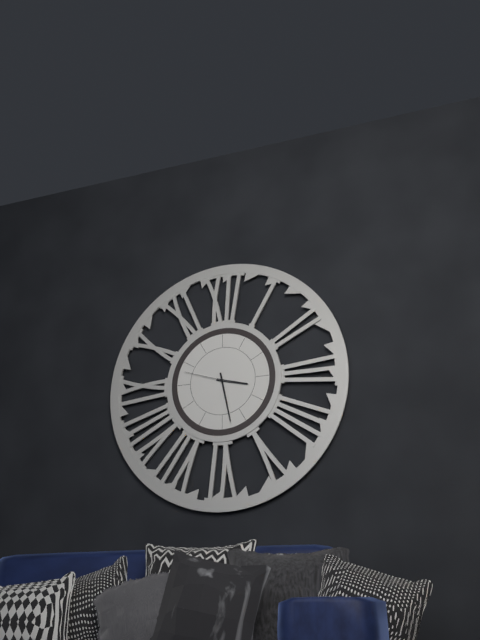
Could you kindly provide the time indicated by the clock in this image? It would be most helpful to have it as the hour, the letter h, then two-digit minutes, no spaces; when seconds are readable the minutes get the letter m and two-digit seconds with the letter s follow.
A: 3h28
